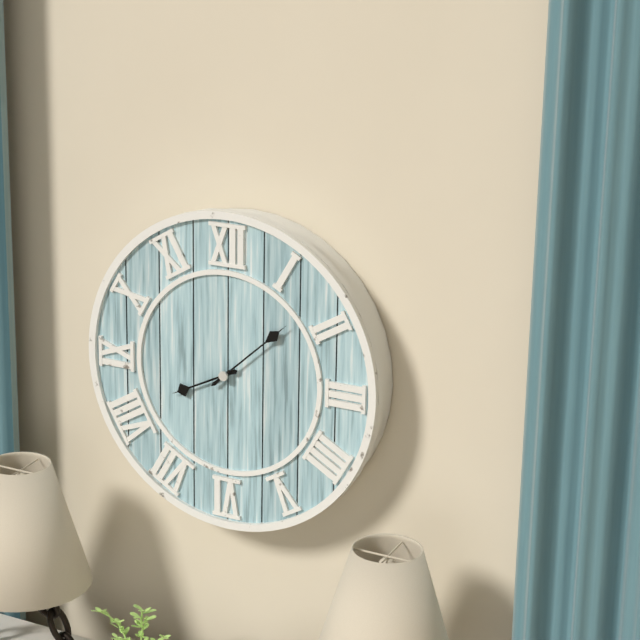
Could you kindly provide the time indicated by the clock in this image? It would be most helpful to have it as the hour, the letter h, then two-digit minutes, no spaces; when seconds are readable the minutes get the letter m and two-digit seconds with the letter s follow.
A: 8h08
